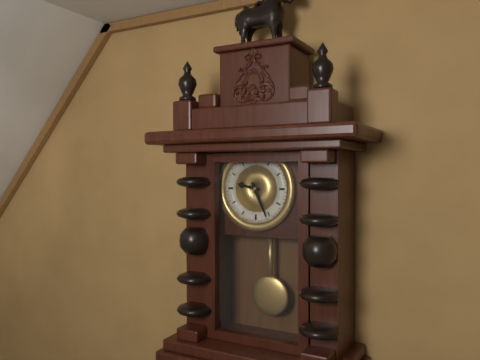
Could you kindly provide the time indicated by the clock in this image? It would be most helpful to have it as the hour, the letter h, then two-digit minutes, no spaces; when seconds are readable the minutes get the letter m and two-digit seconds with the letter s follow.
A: 9h26
